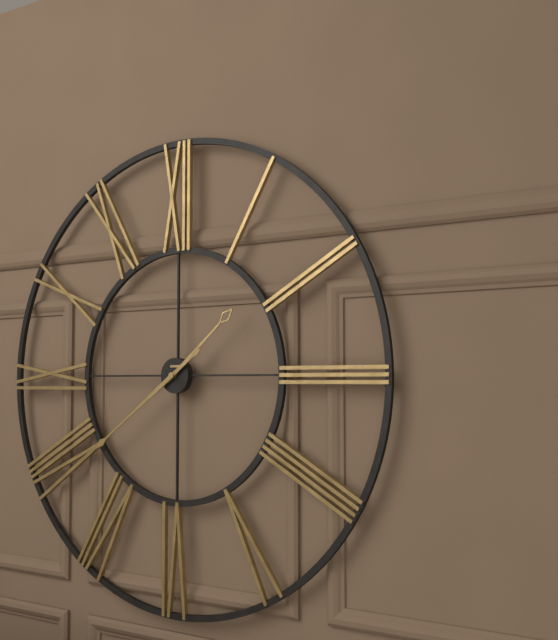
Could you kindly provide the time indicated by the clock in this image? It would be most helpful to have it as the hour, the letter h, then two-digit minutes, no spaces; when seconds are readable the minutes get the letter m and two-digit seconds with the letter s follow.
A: 1h39
